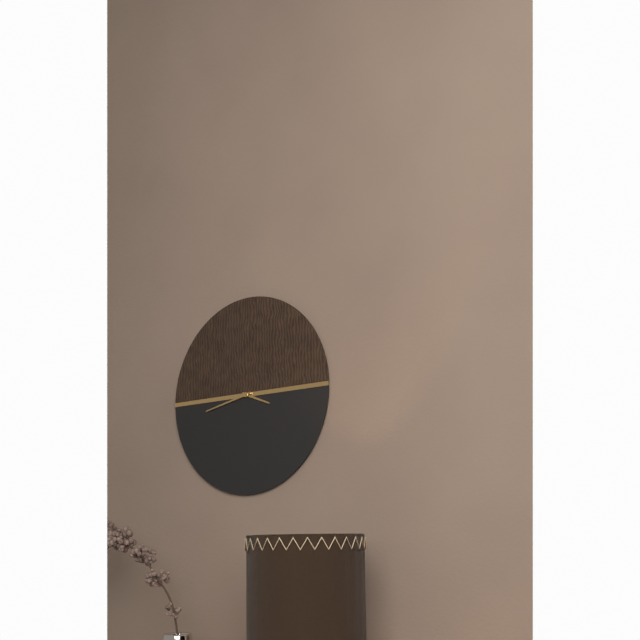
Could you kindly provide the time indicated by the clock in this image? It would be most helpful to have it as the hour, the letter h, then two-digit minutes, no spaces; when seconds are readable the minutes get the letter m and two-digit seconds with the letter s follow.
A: 3h43
